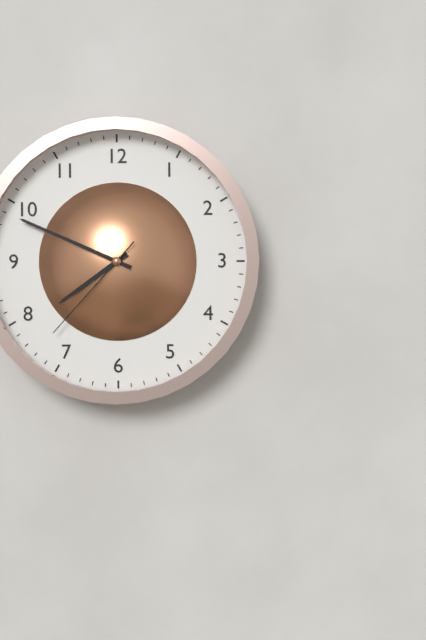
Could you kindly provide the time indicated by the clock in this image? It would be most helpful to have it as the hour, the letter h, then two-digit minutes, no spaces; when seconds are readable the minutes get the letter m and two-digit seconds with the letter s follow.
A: 7h49m37s
